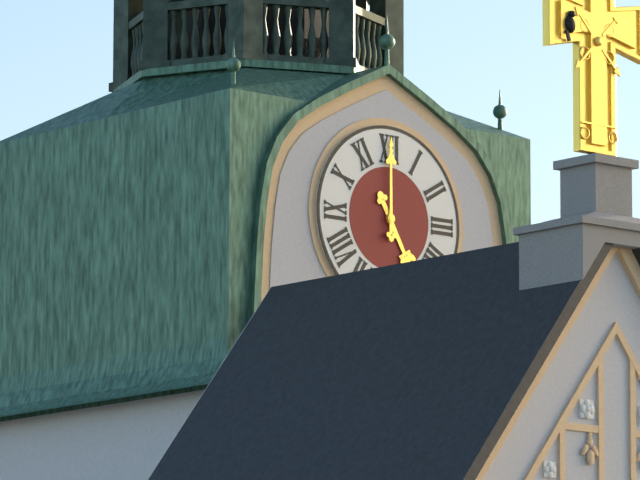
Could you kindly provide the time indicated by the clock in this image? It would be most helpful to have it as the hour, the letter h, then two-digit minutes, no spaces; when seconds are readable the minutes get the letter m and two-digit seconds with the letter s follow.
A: 5h00
